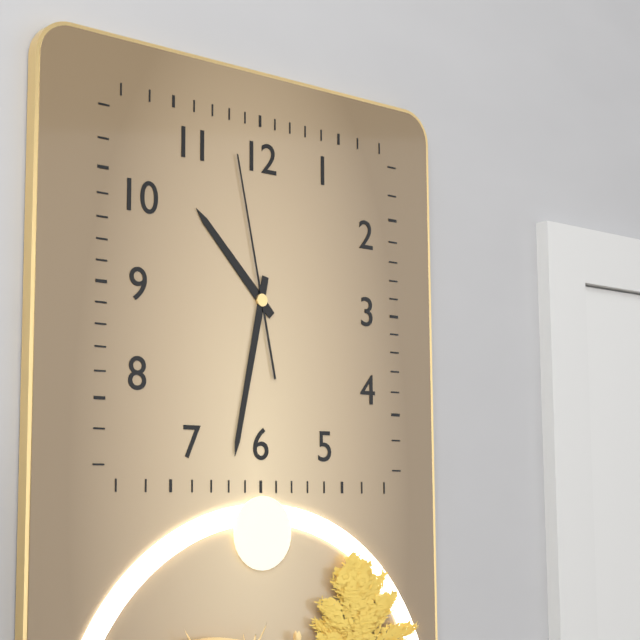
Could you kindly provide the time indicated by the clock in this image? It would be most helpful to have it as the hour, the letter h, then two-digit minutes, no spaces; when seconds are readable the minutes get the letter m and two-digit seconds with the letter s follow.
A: 10h32m58s
